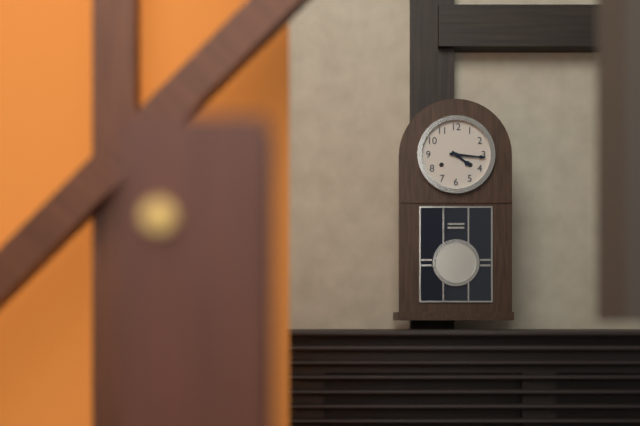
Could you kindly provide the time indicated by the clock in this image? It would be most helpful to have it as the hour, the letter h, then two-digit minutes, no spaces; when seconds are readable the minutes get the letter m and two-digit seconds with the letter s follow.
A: 4h16
